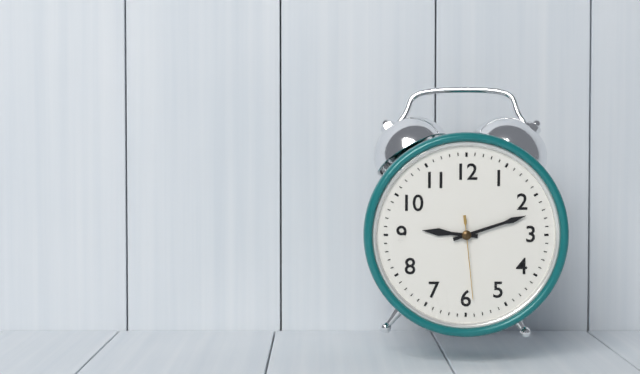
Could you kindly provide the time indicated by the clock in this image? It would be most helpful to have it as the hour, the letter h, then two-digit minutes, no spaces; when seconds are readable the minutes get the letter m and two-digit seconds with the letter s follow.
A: 9h12m29s
